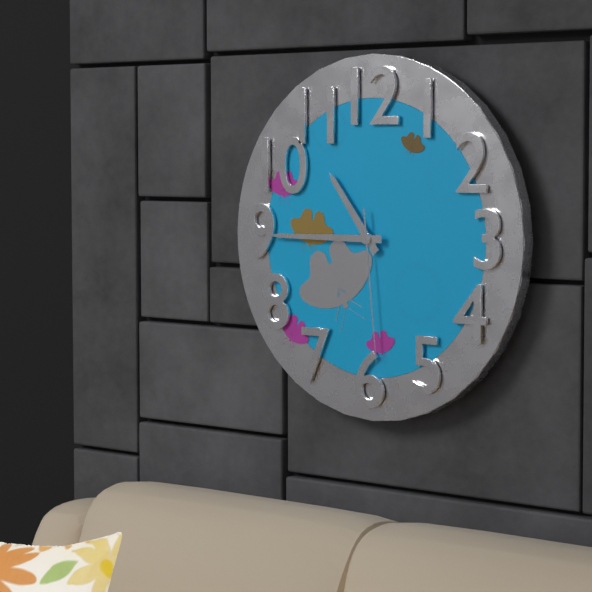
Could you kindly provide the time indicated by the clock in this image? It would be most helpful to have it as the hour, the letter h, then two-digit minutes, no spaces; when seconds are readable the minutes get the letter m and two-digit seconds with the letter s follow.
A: 10h45m29s
